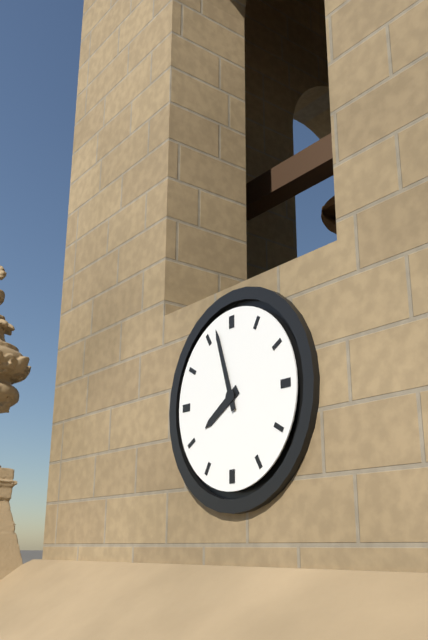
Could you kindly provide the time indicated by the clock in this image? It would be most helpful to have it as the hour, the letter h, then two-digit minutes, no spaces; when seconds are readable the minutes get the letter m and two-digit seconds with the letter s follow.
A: 7h57
